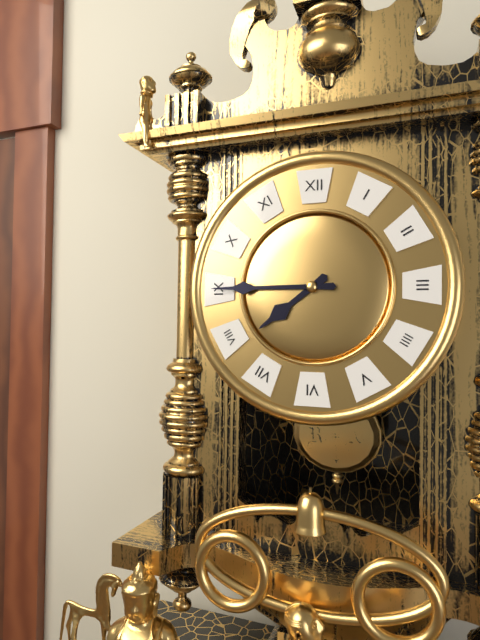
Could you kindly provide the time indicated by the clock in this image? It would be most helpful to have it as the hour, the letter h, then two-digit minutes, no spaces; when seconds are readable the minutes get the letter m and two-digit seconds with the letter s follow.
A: 7h45
